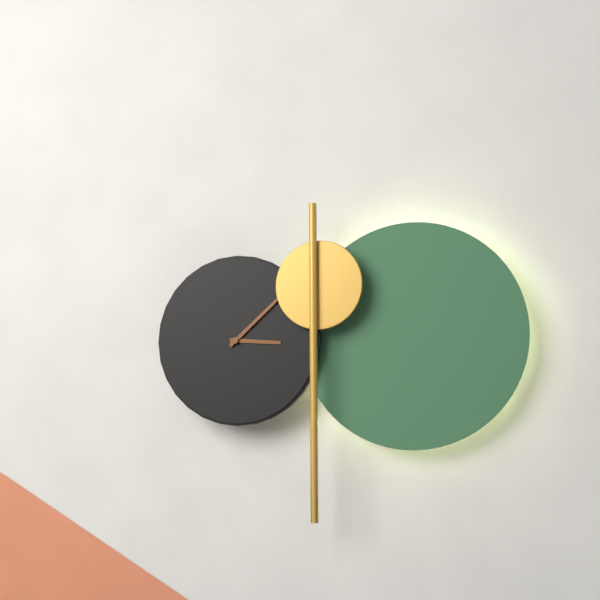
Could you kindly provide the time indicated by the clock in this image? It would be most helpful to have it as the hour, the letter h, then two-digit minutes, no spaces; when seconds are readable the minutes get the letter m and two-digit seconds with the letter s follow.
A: 3h08
